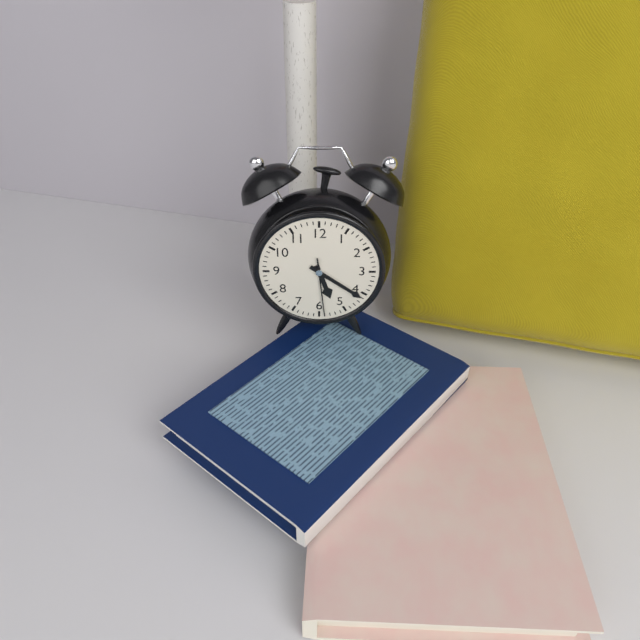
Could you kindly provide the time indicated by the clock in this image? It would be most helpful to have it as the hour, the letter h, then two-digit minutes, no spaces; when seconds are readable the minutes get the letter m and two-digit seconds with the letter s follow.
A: 5h21m29s
